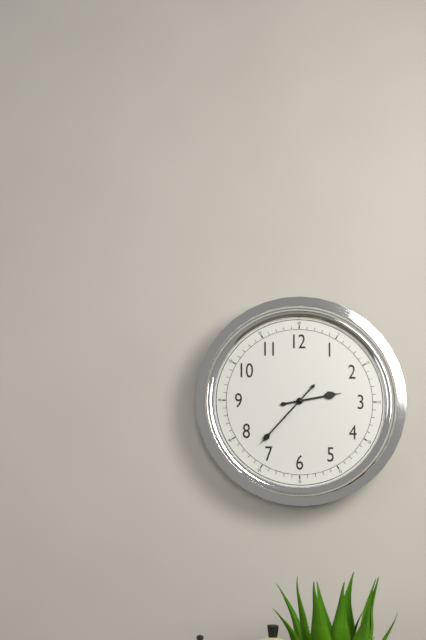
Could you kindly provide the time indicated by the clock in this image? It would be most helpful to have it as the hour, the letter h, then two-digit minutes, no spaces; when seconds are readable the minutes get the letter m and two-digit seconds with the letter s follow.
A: 2h37
